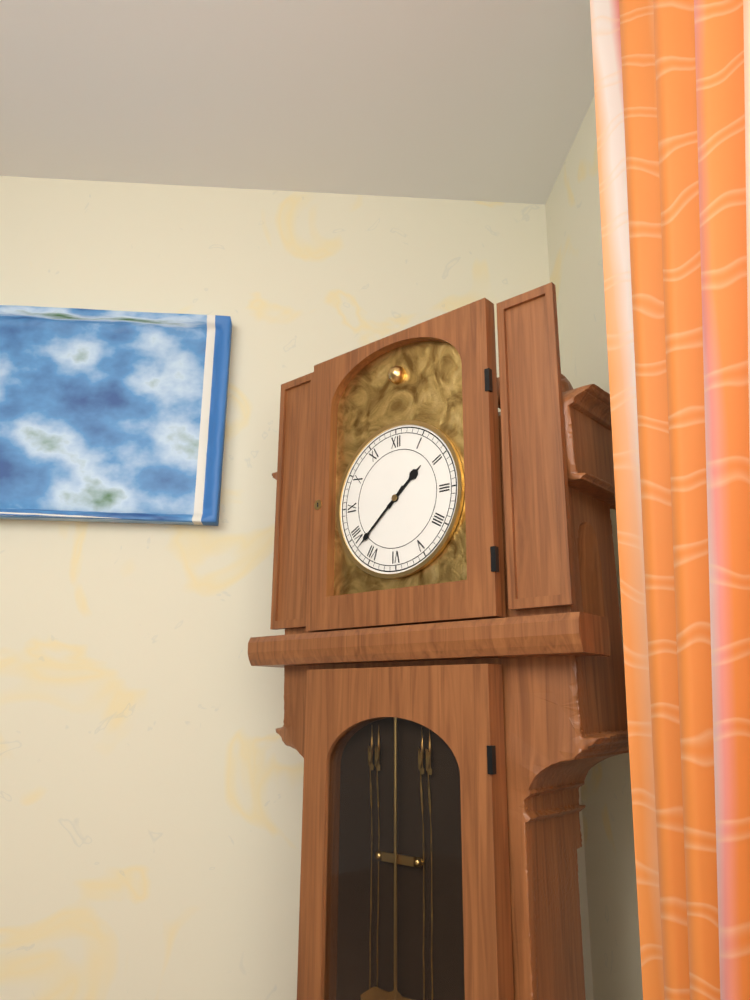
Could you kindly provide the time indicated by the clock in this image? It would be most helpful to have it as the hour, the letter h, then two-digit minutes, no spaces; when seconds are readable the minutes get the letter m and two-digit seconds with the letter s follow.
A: 1h38
